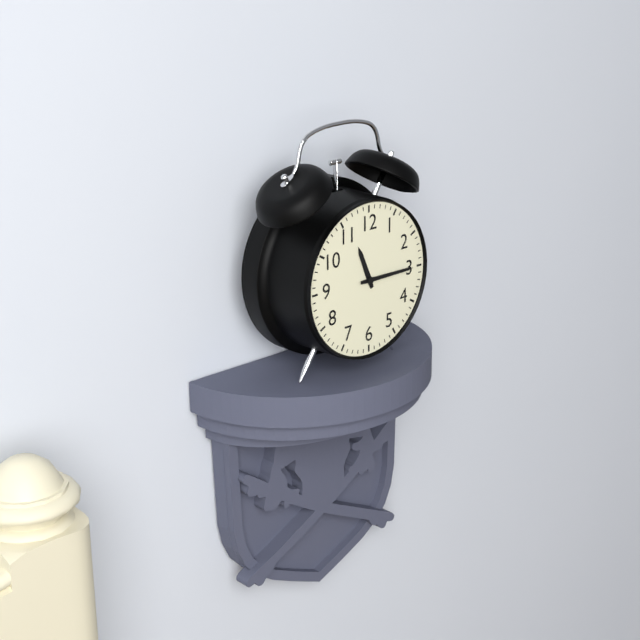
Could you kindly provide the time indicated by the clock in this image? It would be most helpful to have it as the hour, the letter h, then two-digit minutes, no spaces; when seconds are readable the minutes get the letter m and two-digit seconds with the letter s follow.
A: 11h15
